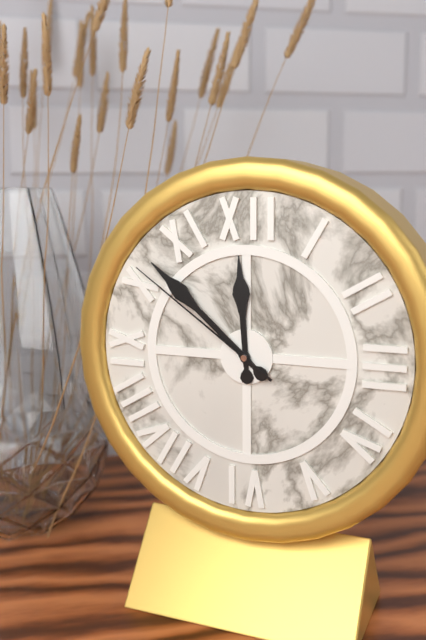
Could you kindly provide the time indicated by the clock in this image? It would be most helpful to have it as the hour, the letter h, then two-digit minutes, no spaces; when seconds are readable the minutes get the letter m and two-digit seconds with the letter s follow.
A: 11h52m51s
